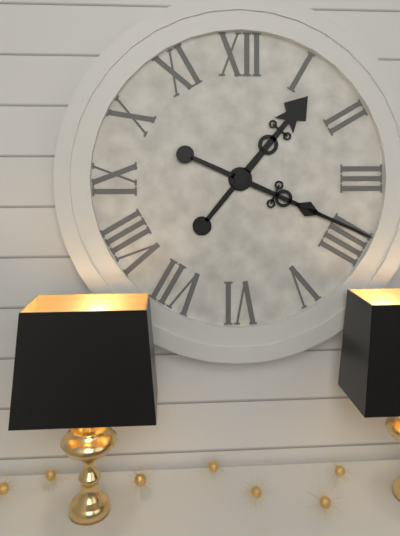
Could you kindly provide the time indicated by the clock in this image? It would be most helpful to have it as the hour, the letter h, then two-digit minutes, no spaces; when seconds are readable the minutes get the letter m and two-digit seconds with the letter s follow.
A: 1h19
